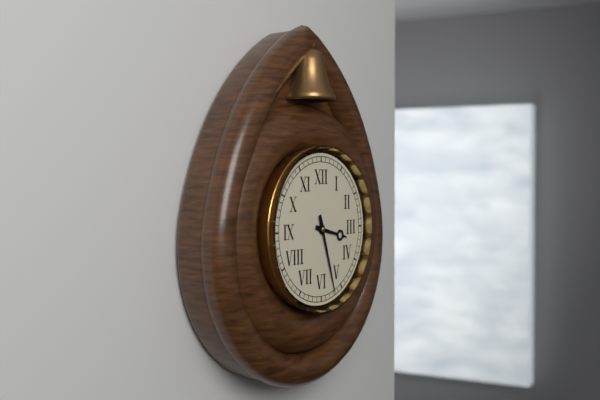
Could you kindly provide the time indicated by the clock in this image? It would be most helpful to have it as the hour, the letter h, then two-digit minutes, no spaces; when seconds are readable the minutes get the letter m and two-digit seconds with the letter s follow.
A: 3h27
